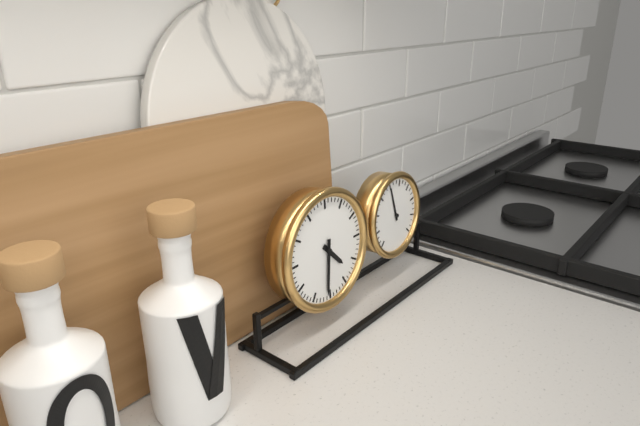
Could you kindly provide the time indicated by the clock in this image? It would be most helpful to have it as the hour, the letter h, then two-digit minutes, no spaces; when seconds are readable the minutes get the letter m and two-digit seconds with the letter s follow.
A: 4h31
